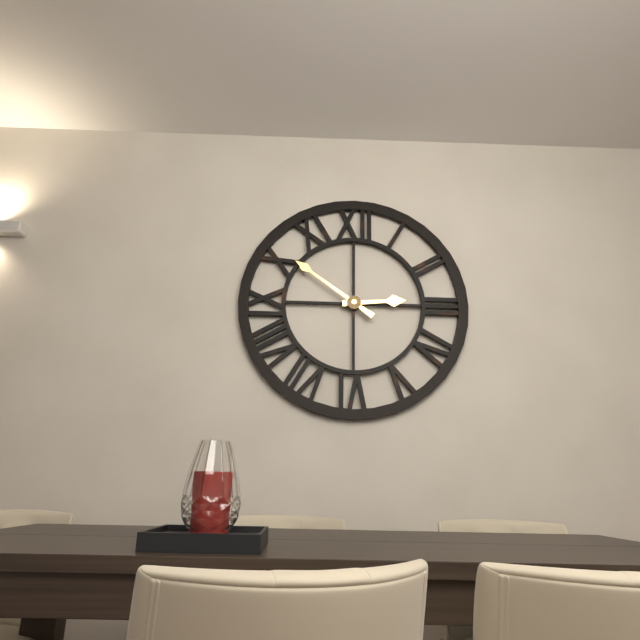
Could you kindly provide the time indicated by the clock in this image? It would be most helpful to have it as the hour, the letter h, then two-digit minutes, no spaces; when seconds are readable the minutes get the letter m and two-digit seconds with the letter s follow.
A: 2h51
